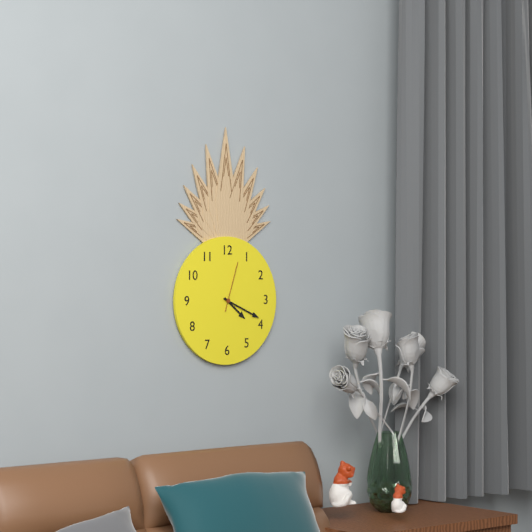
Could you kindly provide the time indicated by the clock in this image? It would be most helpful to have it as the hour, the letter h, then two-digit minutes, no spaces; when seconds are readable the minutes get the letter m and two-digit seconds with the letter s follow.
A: 4h19m03s
